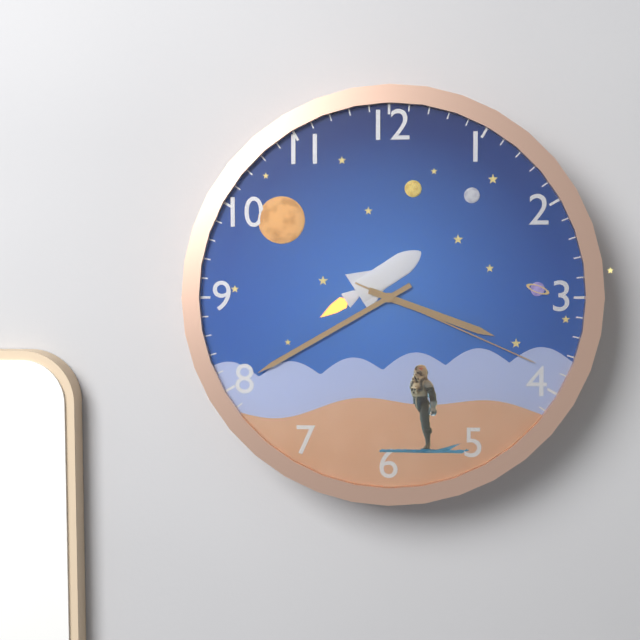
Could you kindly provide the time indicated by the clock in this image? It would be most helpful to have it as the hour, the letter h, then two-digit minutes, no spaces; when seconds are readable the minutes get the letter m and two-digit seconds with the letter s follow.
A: 3h40m19s
